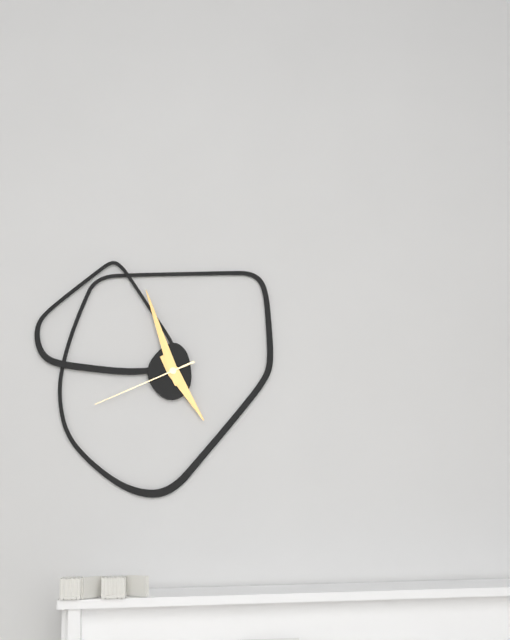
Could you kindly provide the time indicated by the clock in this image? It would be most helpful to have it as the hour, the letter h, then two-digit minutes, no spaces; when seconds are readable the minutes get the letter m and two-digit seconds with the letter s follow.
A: 4h57m41s
